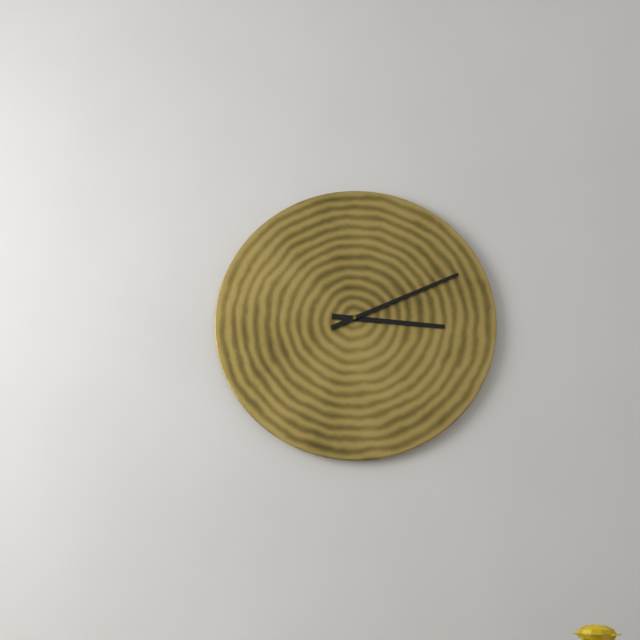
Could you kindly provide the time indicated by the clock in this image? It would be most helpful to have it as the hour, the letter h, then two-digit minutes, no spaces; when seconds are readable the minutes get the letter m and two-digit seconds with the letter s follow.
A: 3h11
